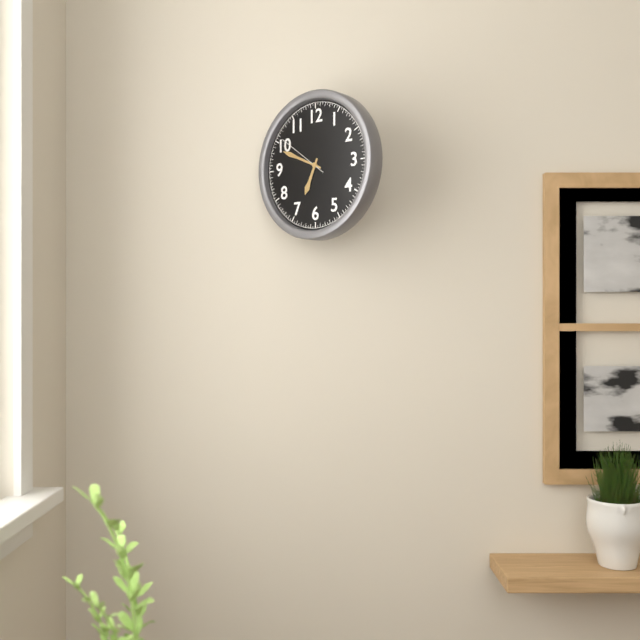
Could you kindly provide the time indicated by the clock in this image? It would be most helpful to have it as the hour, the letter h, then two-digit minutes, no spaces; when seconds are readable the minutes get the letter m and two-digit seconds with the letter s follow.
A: 6h49m51s
